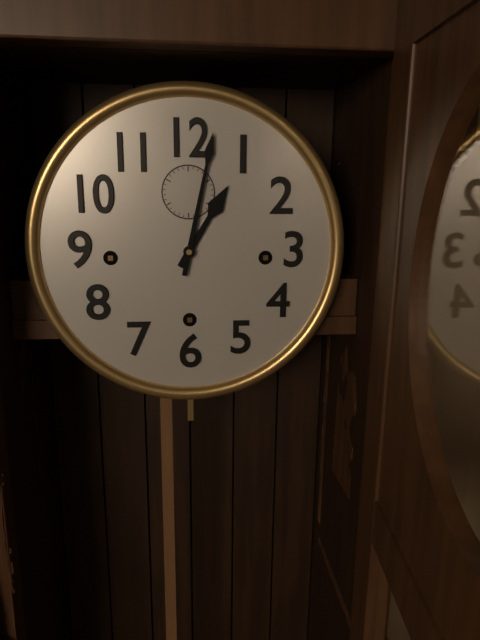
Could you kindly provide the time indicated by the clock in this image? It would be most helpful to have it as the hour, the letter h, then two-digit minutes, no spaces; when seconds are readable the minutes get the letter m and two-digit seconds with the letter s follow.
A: 1h02
